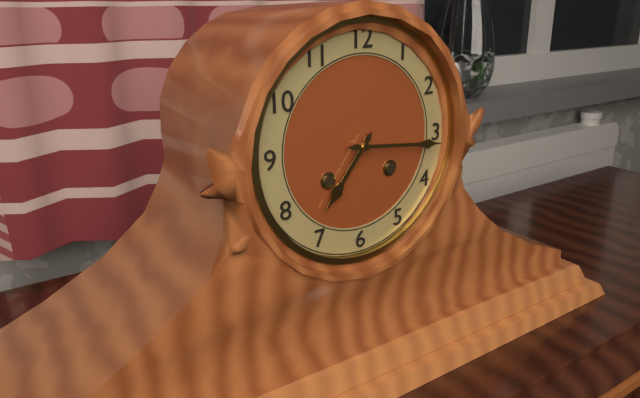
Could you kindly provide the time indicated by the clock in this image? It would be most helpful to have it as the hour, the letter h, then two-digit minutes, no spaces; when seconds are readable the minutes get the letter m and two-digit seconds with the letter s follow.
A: 7h16
